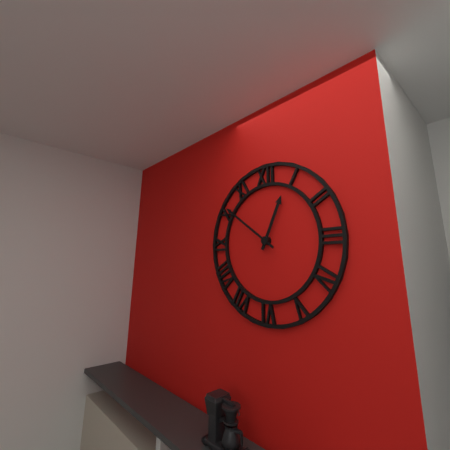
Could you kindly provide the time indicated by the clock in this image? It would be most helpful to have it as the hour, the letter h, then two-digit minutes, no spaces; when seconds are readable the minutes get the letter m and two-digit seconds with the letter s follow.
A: 12h51
